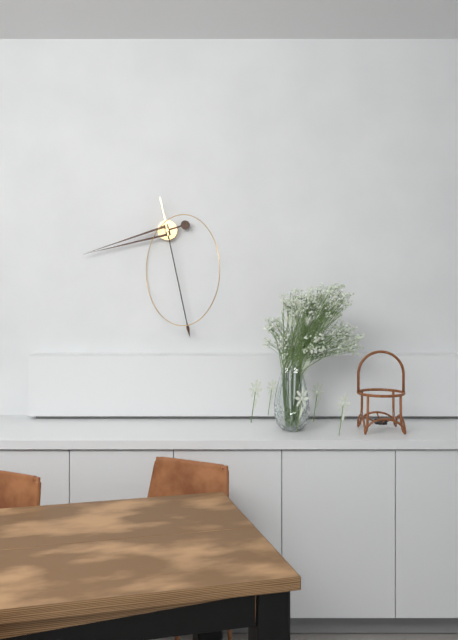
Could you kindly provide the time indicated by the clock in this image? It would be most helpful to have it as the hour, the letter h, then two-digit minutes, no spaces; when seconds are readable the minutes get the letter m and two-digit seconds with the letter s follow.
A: 8h28
